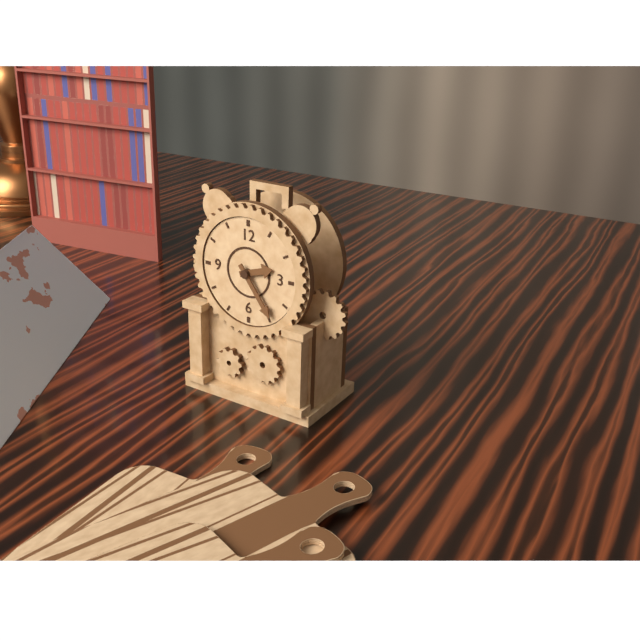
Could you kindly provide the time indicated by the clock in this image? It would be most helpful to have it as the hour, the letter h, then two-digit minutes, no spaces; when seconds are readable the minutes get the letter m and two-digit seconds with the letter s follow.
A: 2h24
